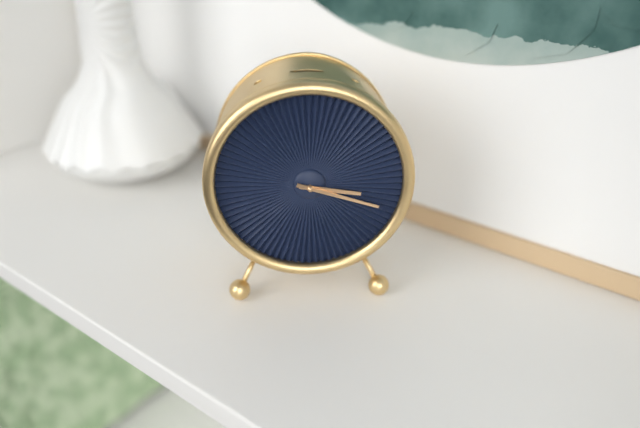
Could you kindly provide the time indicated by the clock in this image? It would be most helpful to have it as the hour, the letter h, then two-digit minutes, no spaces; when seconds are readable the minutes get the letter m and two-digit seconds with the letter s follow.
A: 3h18
